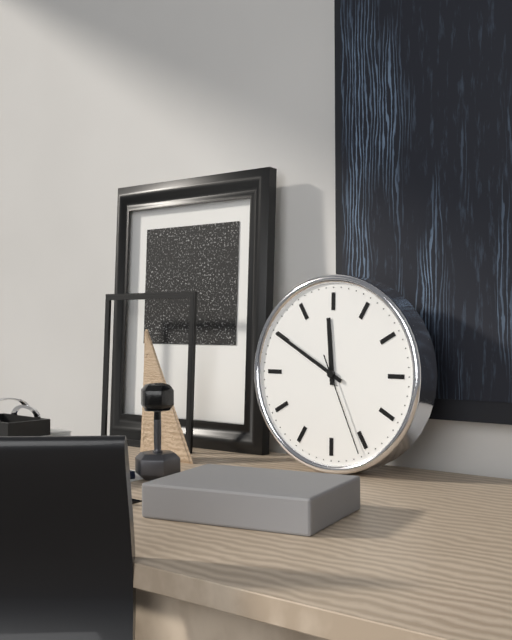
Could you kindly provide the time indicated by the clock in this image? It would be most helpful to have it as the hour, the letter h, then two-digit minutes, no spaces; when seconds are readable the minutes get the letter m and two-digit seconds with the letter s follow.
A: 11h50m26s
